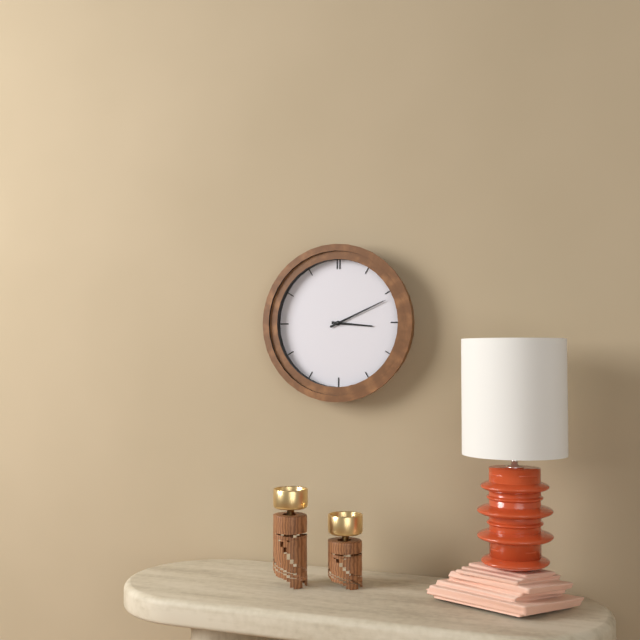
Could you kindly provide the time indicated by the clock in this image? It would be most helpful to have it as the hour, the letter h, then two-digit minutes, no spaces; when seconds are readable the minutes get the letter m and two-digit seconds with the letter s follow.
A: 3h11
